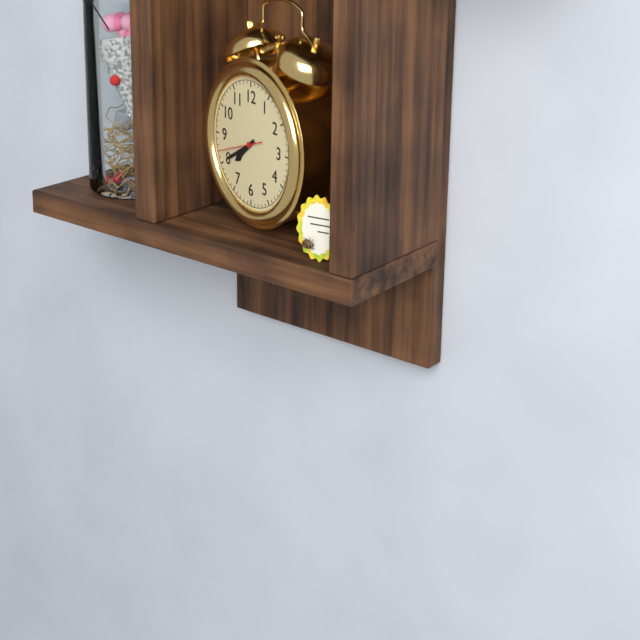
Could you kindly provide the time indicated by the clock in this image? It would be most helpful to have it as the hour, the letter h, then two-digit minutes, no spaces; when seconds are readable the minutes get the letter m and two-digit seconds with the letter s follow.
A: 7h40
